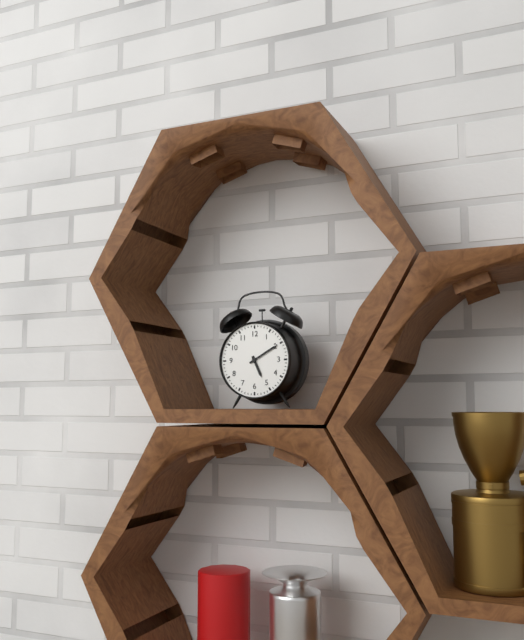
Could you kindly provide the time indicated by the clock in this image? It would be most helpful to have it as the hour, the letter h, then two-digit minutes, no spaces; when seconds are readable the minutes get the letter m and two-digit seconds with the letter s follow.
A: 5h10
